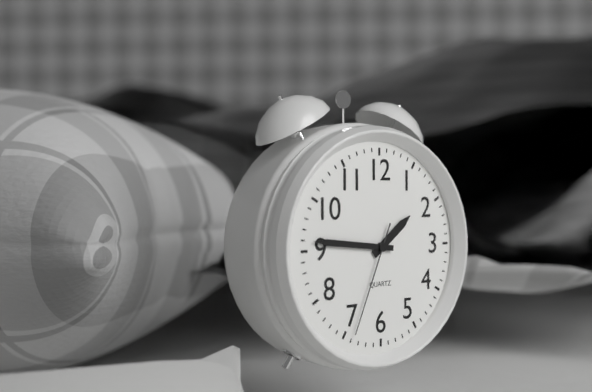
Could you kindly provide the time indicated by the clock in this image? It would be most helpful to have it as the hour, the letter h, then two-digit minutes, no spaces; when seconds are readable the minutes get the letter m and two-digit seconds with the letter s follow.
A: 1h46m34s
